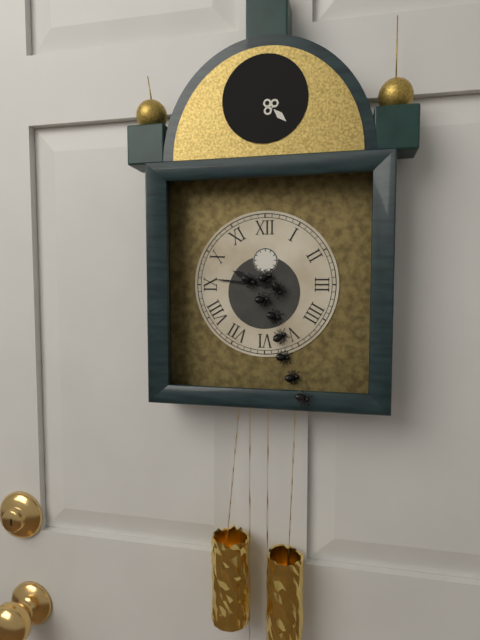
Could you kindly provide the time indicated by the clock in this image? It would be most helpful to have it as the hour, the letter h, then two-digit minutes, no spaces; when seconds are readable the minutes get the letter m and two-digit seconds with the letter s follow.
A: 9h46
